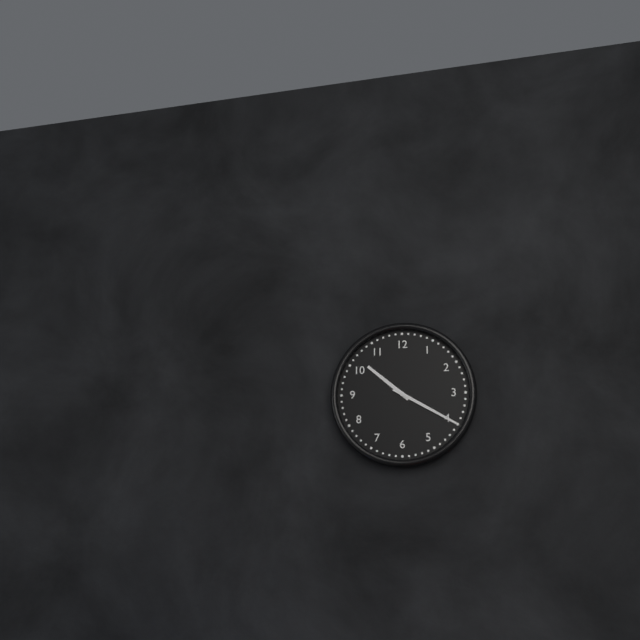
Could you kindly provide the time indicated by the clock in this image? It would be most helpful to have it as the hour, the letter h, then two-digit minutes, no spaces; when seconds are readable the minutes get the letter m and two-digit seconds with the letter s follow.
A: 10h20
